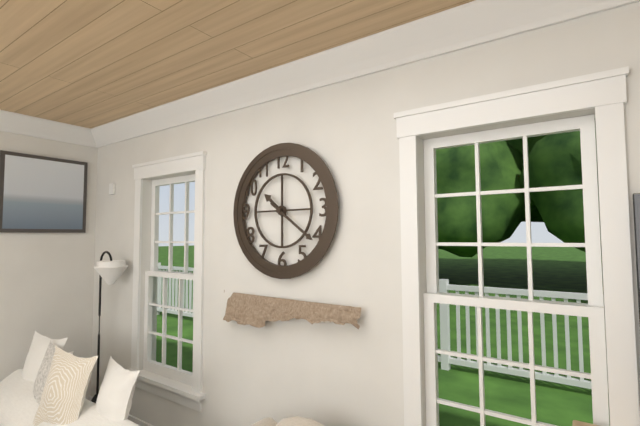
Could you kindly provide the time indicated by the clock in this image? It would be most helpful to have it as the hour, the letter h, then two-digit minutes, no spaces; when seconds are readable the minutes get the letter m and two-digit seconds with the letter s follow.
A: 10h21
